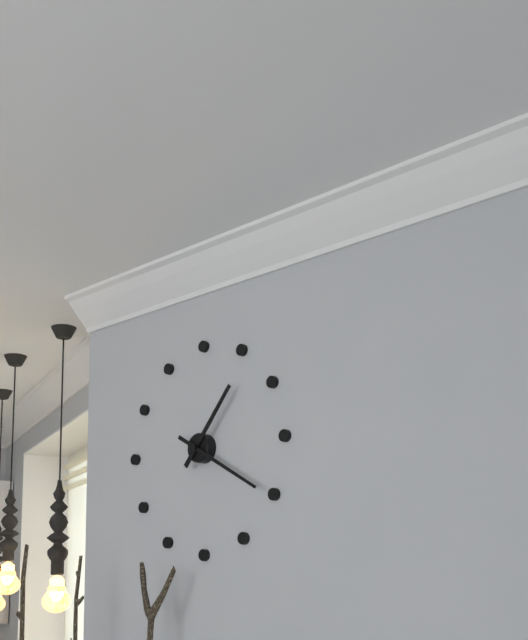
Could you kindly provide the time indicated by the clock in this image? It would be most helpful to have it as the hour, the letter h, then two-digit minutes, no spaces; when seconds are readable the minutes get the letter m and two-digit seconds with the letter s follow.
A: 1h20
